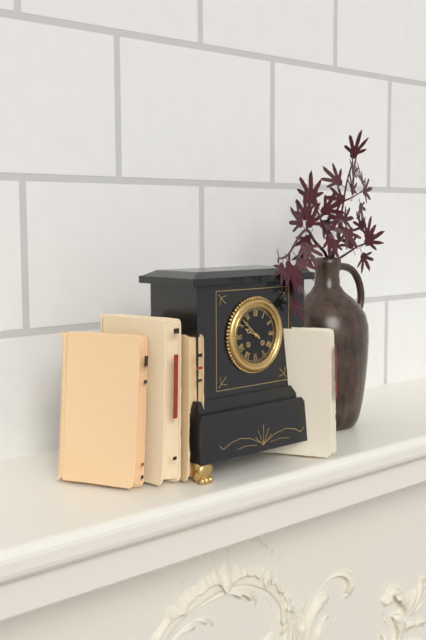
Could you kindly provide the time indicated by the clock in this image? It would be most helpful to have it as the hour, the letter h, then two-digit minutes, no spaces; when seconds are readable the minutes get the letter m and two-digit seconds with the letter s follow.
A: 9h52
